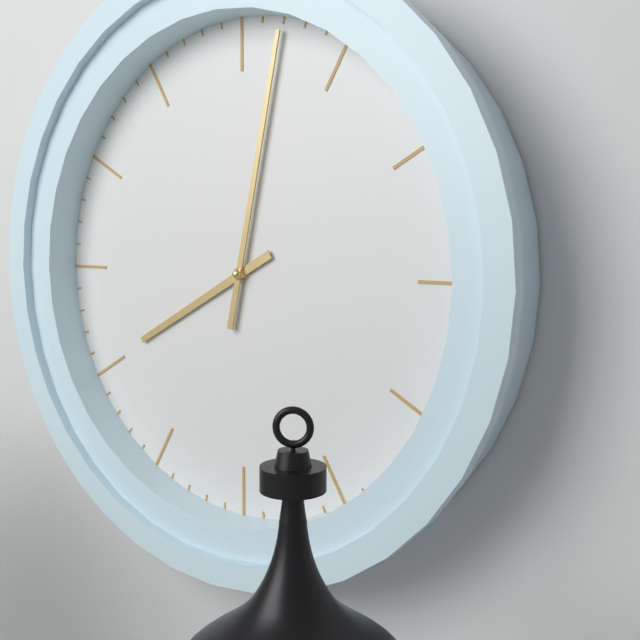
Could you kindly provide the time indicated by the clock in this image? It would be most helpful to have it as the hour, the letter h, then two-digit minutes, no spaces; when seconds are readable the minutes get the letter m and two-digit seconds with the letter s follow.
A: 8h02
